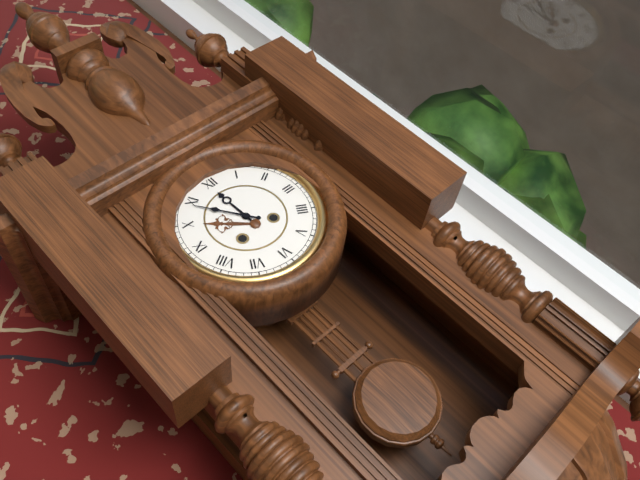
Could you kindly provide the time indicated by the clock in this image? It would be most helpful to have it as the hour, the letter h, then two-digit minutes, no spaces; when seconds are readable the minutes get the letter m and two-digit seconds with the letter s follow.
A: 11h54
